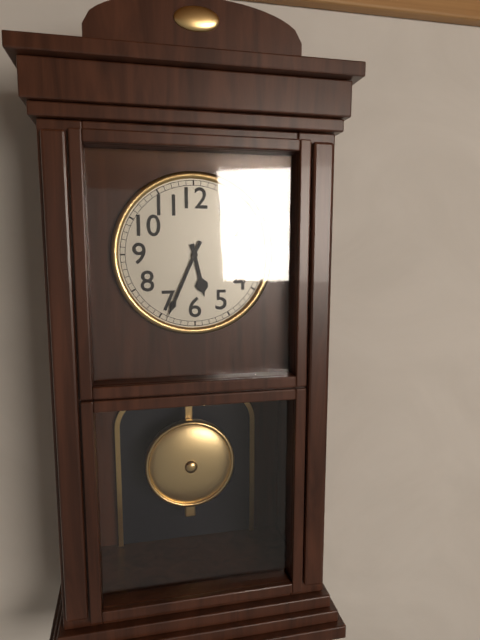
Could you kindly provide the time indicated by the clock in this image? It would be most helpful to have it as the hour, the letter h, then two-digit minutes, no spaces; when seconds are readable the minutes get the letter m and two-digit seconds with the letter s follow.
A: 5h34
